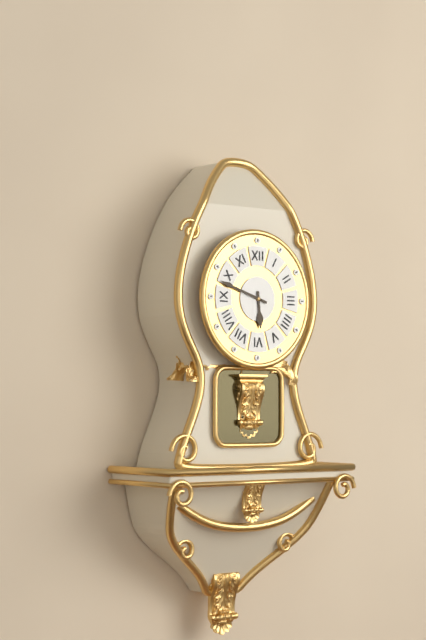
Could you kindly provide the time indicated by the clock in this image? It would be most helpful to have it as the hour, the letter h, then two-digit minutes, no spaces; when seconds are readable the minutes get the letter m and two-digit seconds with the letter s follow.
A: 5h48
